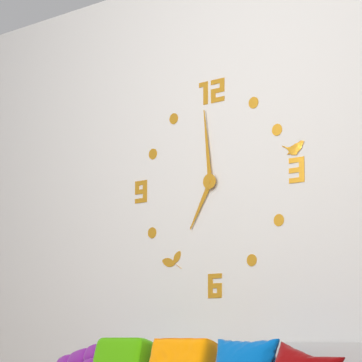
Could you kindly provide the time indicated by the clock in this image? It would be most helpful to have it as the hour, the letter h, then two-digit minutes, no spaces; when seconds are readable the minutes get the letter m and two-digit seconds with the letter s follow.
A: 6h59
